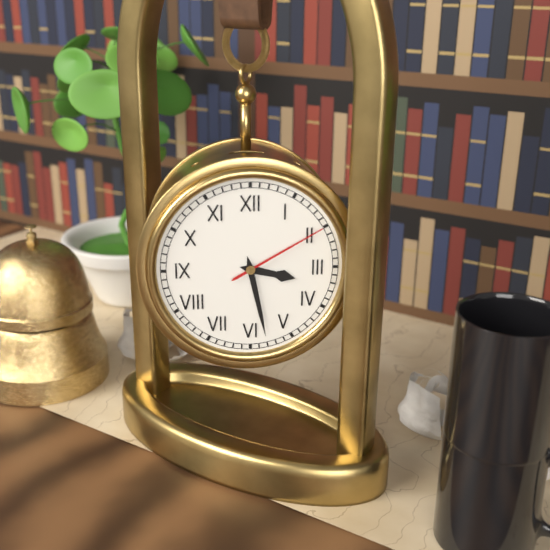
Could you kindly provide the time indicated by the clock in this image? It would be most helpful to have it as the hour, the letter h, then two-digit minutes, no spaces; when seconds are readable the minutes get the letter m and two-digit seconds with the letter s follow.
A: 3h28m10s
